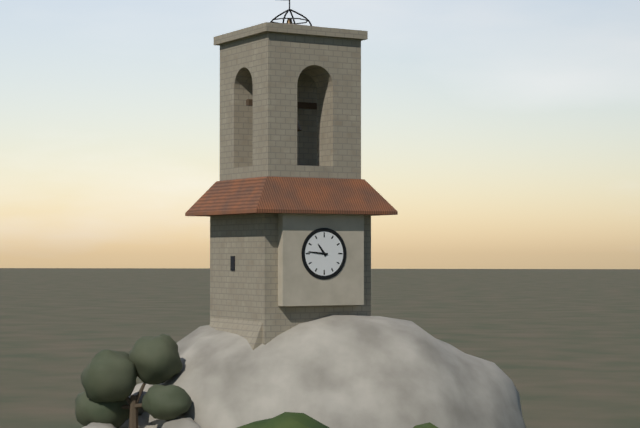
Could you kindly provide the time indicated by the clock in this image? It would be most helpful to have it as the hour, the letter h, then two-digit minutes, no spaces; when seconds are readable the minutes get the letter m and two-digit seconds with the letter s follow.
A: 10h46
